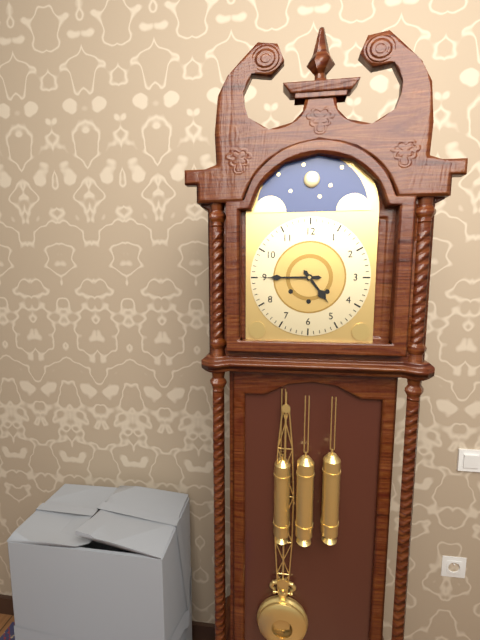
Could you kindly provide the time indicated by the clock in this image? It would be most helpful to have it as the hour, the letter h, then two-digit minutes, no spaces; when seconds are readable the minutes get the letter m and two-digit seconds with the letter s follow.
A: 4h45
